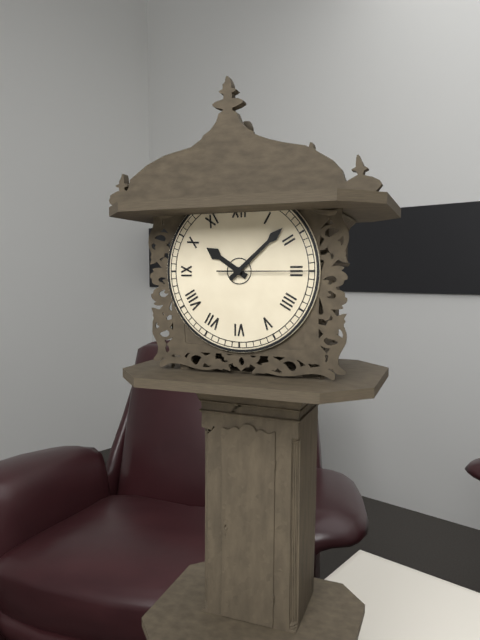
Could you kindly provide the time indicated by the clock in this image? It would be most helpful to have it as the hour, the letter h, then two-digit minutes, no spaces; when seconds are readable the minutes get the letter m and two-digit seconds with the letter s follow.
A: 10h08m15s
